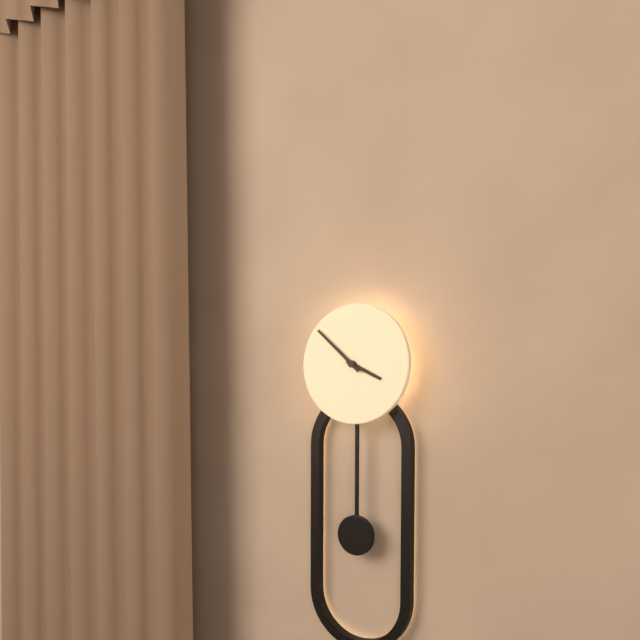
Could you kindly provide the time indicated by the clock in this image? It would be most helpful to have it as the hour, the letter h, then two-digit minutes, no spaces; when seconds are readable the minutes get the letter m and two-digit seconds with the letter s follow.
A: 3h52
